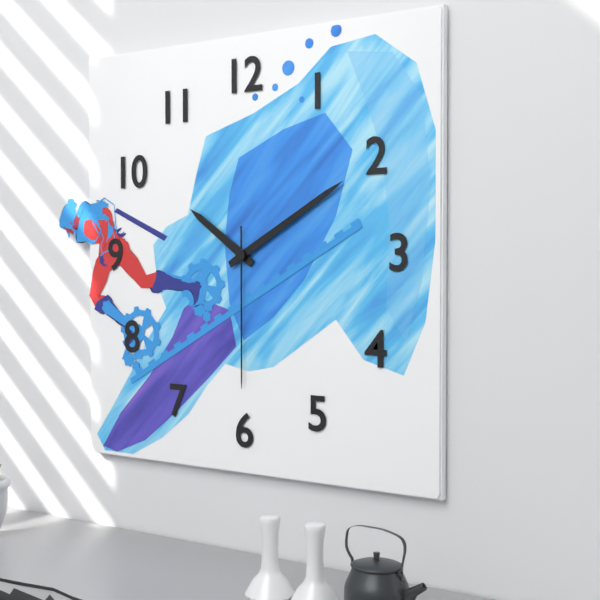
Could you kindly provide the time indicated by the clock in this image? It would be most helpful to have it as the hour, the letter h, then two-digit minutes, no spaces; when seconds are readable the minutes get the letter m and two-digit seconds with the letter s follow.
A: 10h10m30s
